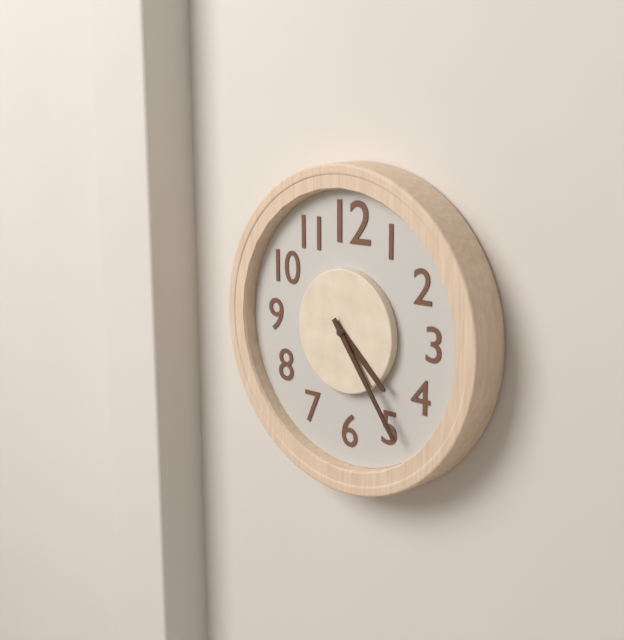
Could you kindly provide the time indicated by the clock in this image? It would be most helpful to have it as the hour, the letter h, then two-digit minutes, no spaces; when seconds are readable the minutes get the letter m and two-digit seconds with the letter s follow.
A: 4h24
